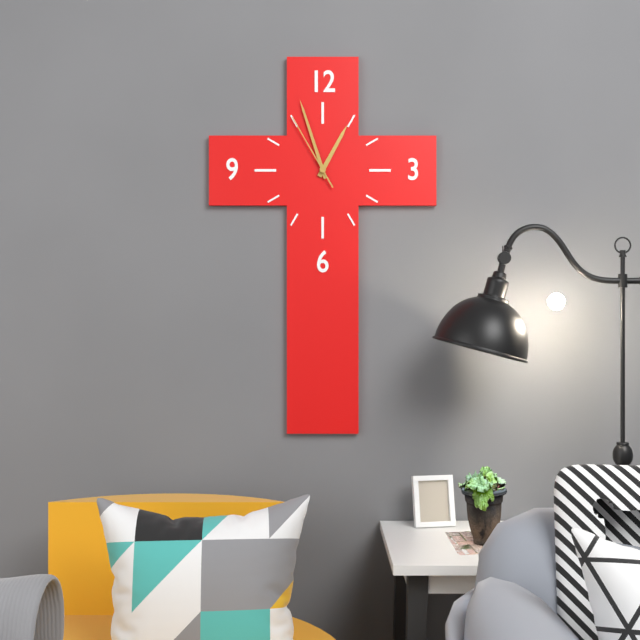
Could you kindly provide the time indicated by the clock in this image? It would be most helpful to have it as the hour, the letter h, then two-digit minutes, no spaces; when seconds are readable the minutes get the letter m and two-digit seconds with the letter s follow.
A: 12h57m55s
